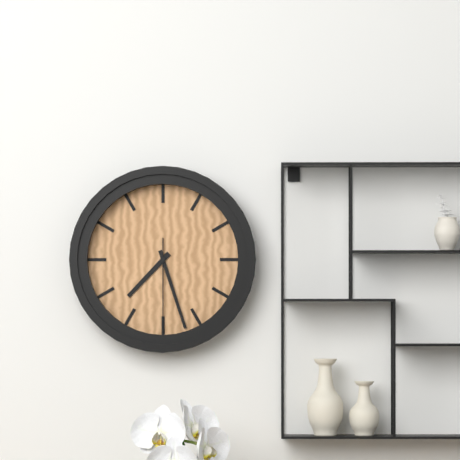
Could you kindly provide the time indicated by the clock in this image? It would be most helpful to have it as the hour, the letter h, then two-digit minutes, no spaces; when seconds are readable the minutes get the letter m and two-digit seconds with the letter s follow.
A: 7h27m30s
